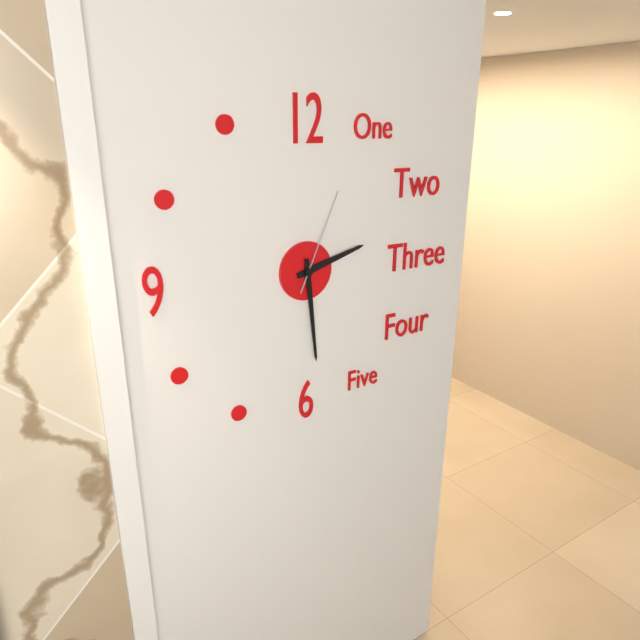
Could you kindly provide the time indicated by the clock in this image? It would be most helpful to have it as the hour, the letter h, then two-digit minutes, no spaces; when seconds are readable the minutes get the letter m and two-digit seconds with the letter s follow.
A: 2h29m04s
